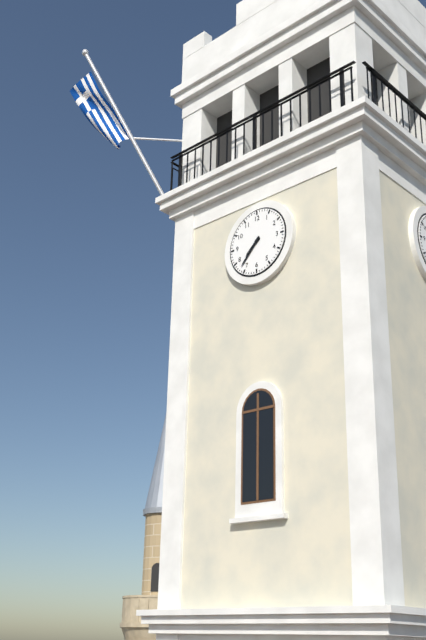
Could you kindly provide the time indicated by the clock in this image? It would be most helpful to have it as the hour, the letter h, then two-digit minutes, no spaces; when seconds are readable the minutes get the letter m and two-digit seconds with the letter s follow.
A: 7h37
